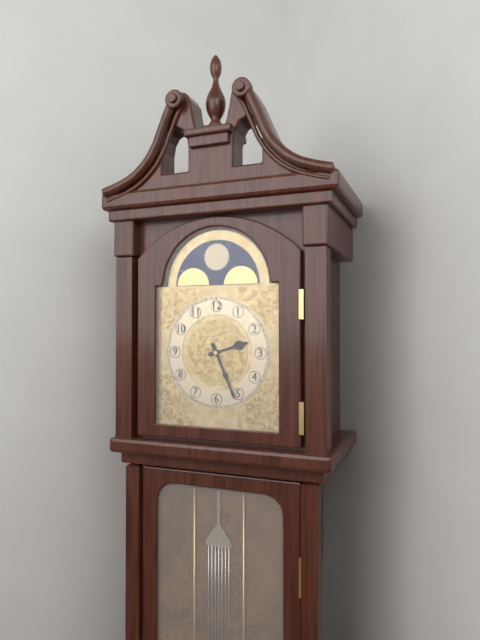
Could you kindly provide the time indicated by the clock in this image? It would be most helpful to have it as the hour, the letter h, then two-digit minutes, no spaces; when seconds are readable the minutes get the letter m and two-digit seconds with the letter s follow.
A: 2h26
